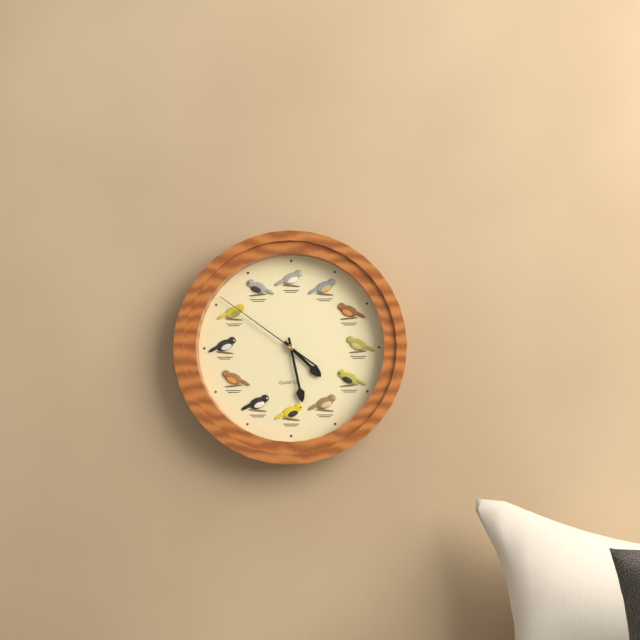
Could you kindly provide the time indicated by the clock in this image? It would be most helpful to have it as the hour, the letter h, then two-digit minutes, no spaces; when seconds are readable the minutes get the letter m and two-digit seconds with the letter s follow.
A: 4h28m51s
